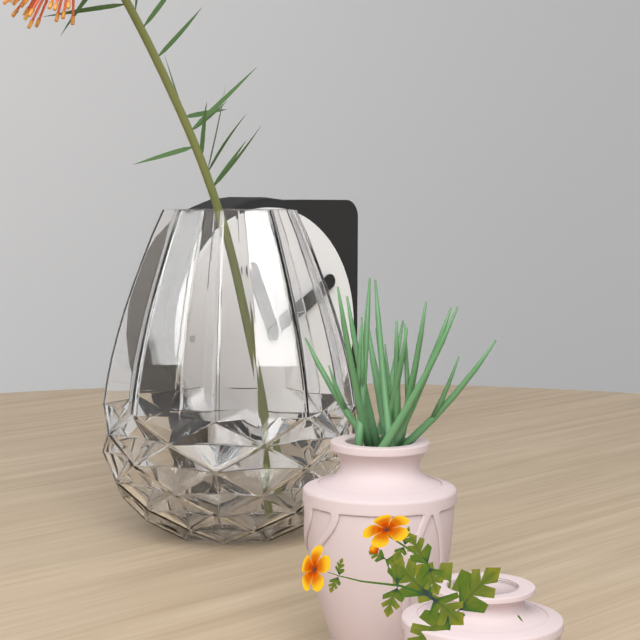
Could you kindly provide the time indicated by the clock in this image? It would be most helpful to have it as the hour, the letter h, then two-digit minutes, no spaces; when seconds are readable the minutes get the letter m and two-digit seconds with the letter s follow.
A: 11h10
